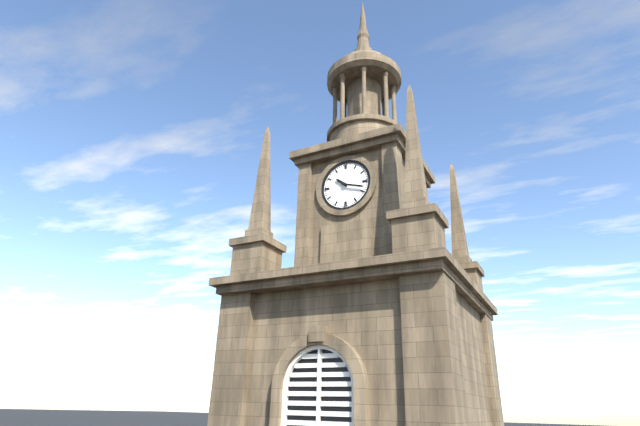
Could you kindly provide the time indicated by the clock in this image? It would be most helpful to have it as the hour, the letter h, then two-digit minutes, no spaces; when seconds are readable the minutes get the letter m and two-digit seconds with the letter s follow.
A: 10h18
